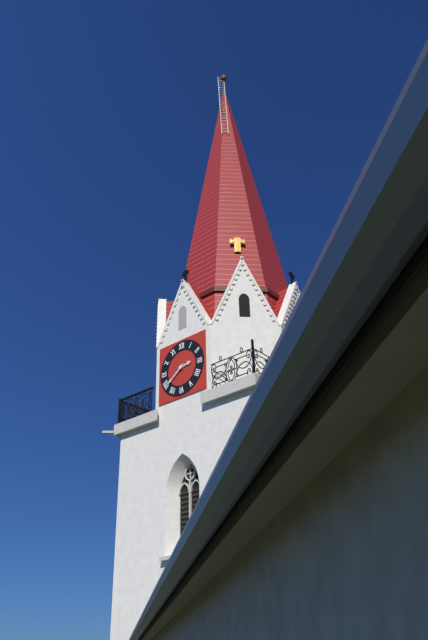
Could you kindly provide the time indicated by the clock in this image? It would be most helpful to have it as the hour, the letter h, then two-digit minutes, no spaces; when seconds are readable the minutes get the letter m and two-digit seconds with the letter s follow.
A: 2h39
